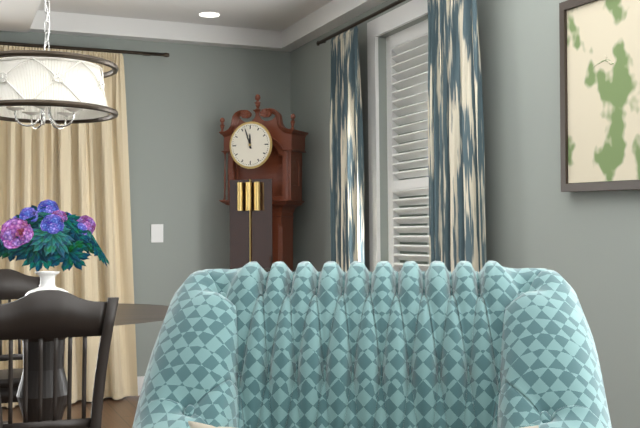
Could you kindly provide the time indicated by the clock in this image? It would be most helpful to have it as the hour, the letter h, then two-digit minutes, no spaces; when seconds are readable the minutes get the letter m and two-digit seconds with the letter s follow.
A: 11h57
